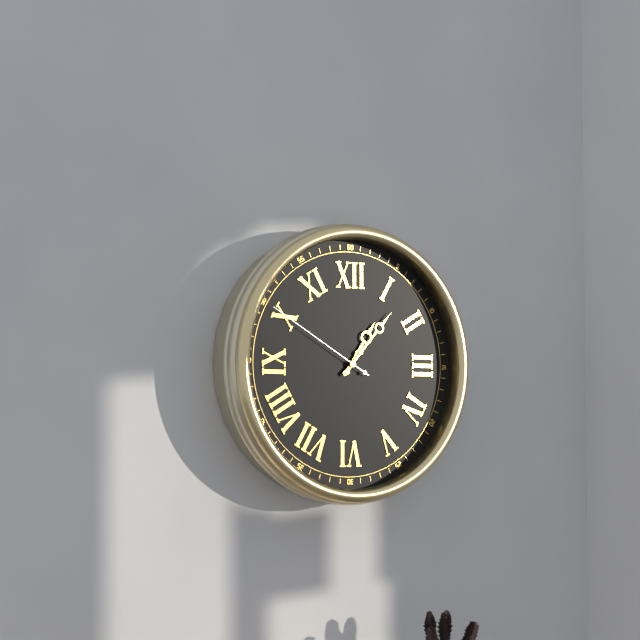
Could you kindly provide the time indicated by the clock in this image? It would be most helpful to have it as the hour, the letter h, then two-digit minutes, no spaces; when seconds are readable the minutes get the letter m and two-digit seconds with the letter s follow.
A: 1h07m50s
